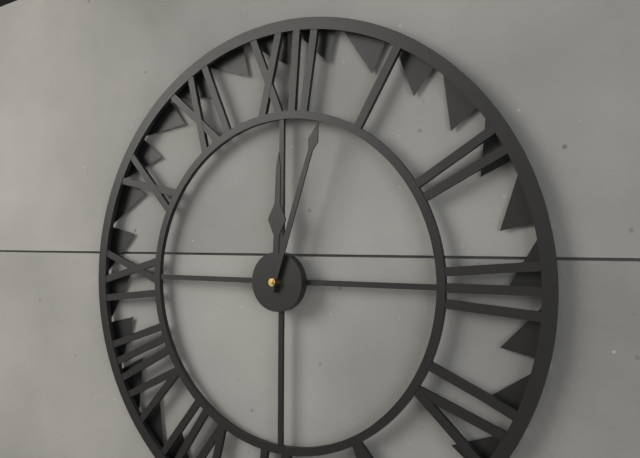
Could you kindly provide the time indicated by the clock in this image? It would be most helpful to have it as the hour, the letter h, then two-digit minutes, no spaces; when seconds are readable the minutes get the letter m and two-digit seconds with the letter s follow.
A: 12h03
